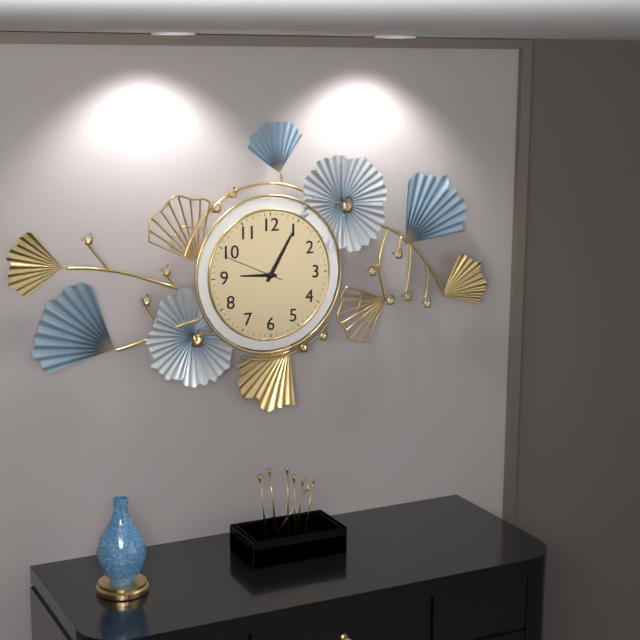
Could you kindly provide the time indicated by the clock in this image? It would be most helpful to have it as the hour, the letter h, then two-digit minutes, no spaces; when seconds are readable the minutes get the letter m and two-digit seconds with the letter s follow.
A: 9h05m49s
